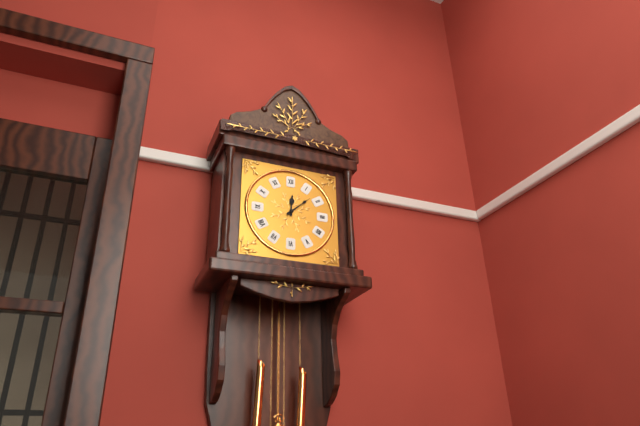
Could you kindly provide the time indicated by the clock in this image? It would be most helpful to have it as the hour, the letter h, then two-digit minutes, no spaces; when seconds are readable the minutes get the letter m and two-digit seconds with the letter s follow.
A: 12h08
